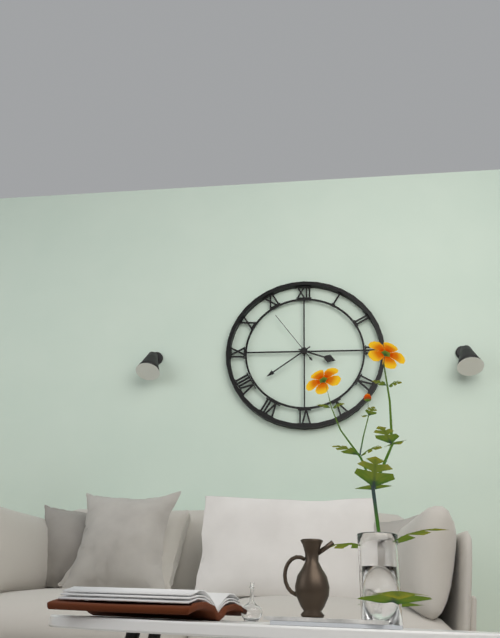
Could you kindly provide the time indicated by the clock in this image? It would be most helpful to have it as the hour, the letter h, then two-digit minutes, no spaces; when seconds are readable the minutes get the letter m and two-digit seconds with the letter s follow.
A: 3h39m54s
